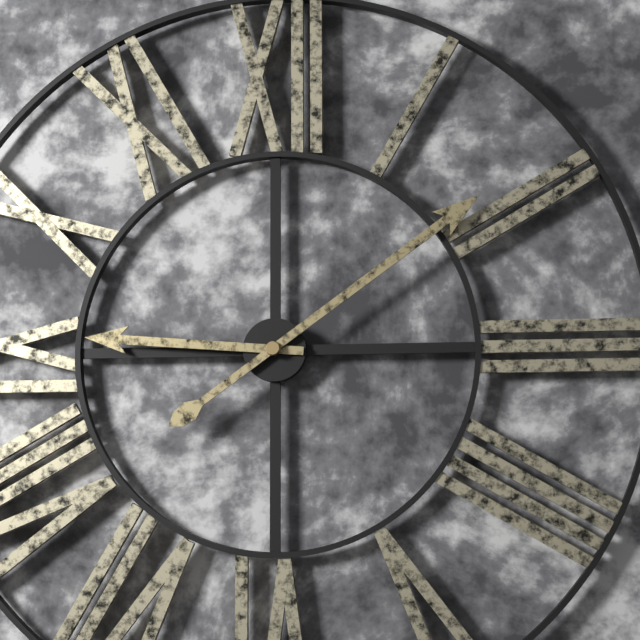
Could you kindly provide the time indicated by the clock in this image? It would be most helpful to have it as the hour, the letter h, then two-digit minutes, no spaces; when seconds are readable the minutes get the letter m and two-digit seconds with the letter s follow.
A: 9h09
